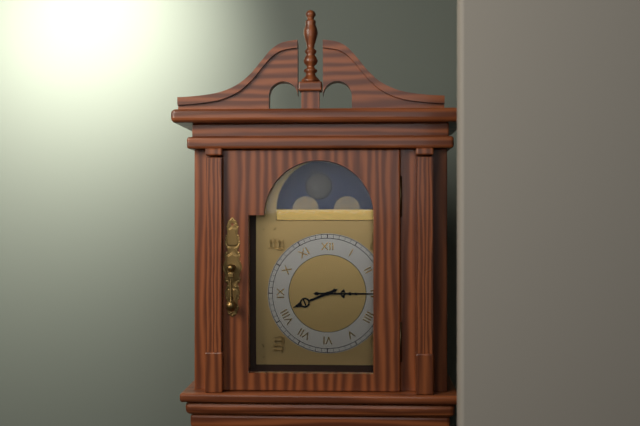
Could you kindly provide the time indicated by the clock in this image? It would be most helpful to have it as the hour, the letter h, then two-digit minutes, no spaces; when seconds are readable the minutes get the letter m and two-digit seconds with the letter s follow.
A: 8h15
